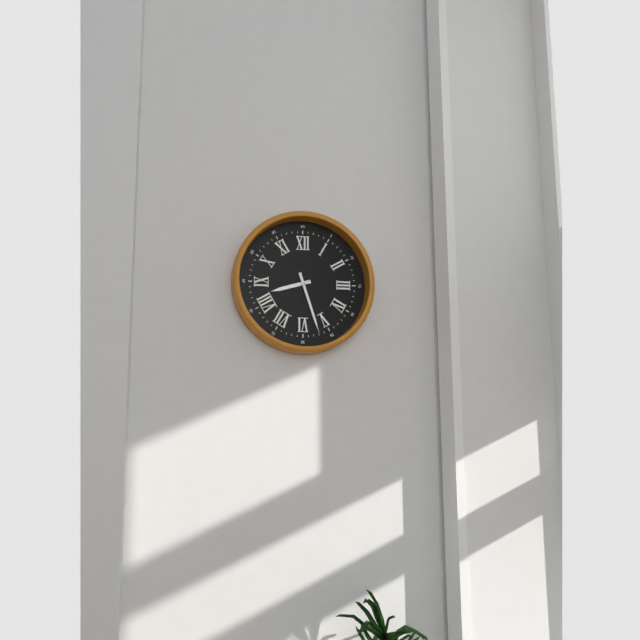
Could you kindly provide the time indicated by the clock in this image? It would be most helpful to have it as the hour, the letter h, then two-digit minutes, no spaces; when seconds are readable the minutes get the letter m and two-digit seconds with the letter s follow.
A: 8h27
